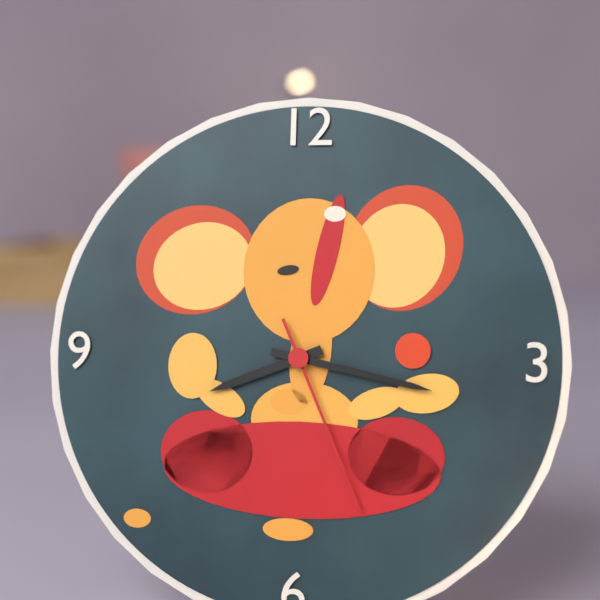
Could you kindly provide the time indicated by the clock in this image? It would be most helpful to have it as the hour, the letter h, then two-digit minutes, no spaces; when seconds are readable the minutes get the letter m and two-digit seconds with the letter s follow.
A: 8h17m26s
